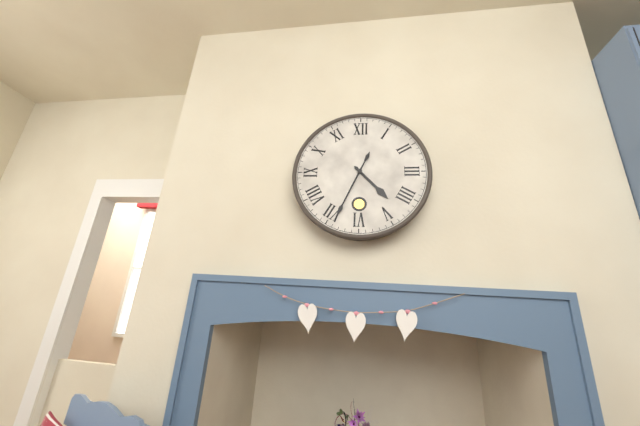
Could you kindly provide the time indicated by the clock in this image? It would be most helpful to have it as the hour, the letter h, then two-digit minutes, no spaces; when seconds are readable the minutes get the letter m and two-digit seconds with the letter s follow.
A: 4h34
